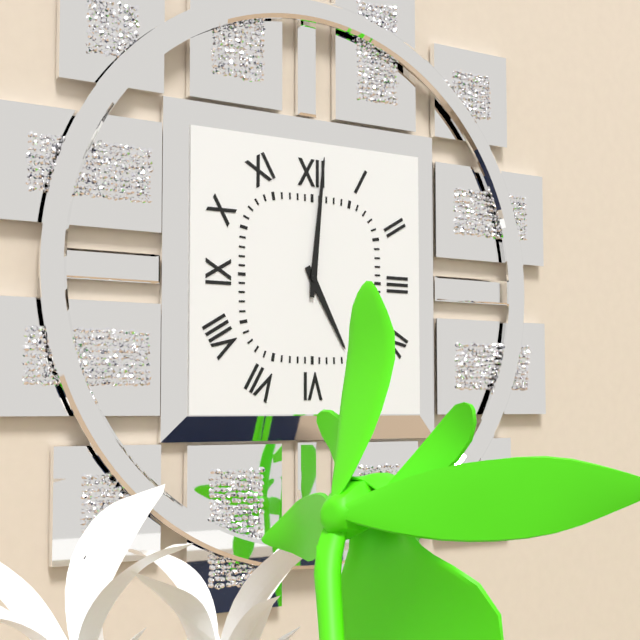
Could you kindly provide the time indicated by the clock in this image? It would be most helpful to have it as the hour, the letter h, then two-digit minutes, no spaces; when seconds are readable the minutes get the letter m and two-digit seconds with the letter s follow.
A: 5h01
